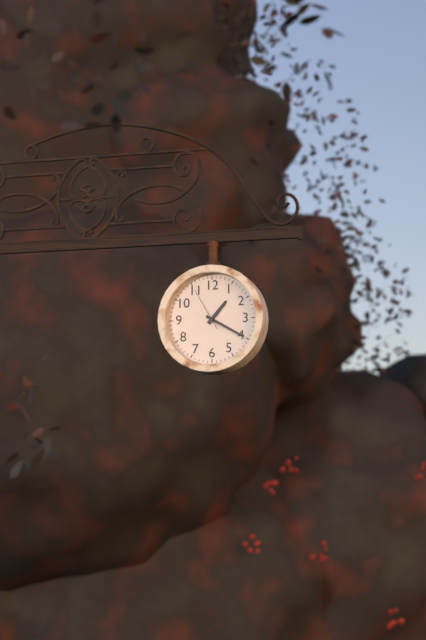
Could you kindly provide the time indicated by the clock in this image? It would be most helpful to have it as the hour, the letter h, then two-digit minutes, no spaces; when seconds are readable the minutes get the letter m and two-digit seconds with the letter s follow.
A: 1h20
